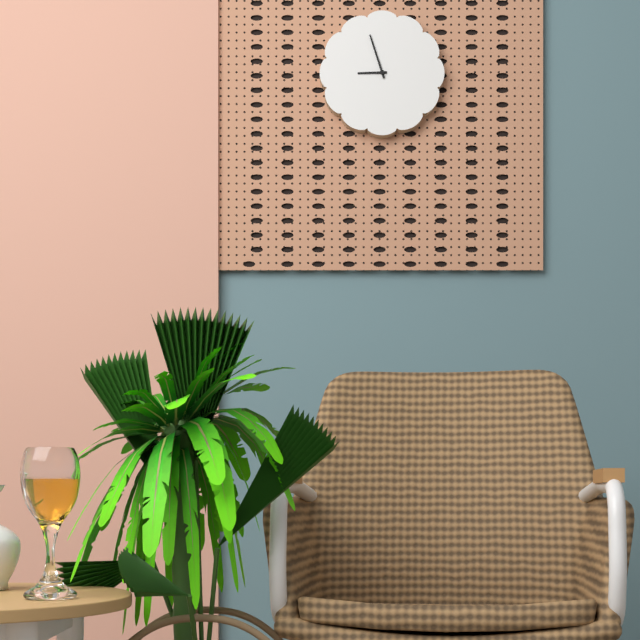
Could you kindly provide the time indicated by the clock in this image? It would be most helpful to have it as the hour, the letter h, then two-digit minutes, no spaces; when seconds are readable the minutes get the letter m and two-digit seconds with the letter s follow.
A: 8h57
